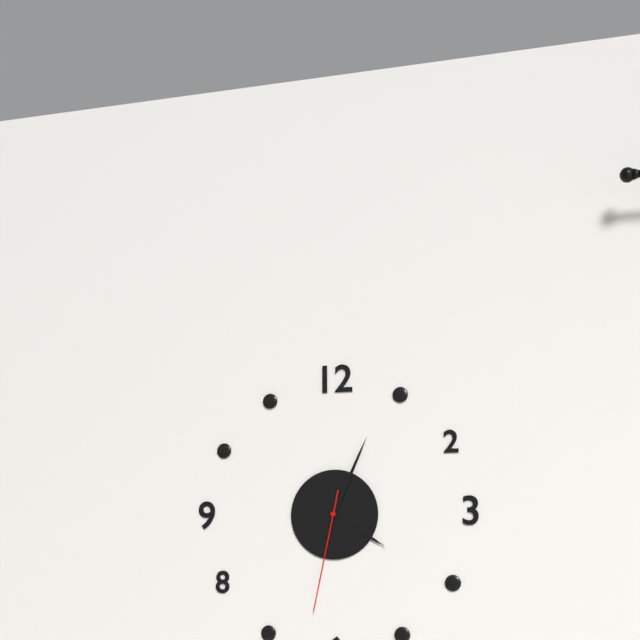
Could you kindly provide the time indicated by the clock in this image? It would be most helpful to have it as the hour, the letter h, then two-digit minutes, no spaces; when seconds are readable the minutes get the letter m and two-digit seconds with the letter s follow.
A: 4h04m32s
